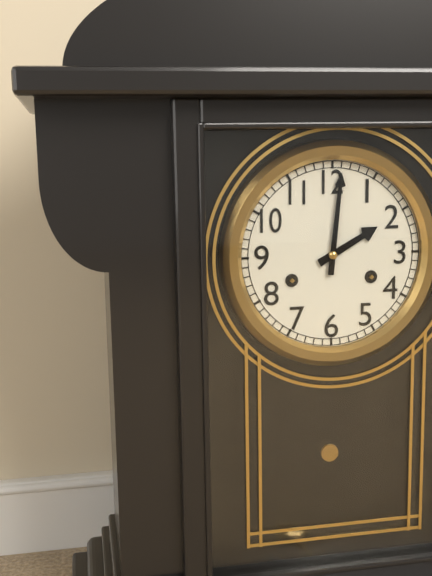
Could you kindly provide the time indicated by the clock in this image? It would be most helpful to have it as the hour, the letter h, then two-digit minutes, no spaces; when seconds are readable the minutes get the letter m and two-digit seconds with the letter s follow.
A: 2h01
